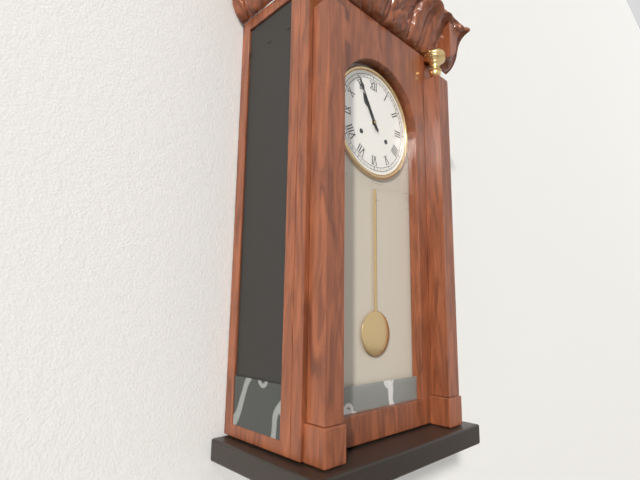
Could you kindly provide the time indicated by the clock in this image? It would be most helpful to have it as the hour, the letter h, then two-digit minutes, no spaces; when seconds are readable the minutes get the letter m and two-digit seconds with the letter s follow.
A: 10h55
